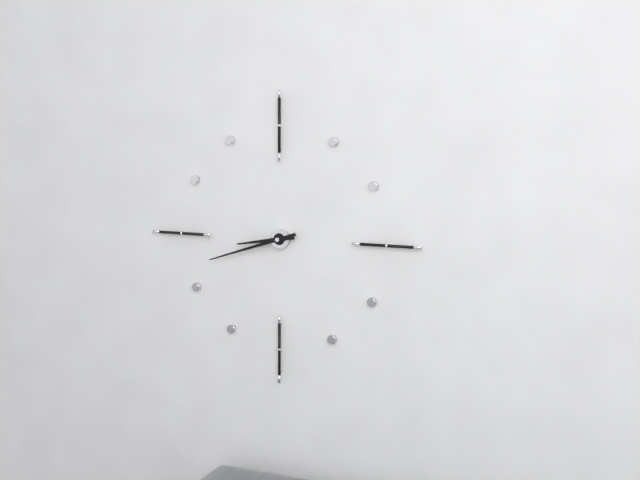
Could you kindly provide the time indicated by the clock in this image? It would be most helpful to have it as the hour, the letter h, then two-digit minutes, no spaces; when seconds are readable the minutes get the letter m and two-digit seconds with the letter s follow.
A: 8h42
